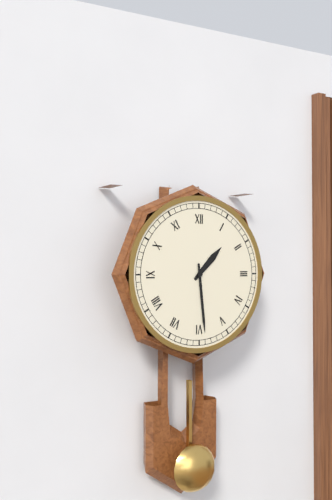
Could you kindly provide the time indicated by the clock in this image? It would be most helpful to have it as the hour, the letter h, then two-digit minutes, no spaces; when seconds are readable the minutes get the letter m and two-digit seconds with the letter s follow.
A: 1h29
